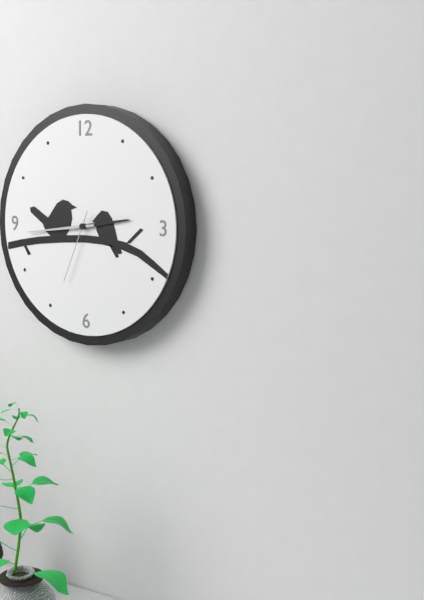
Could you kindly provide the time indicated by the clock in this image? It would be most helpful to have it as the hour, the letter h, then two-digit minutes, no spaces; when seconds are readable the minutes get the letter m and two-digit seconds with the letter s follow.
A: 2h44m34s
